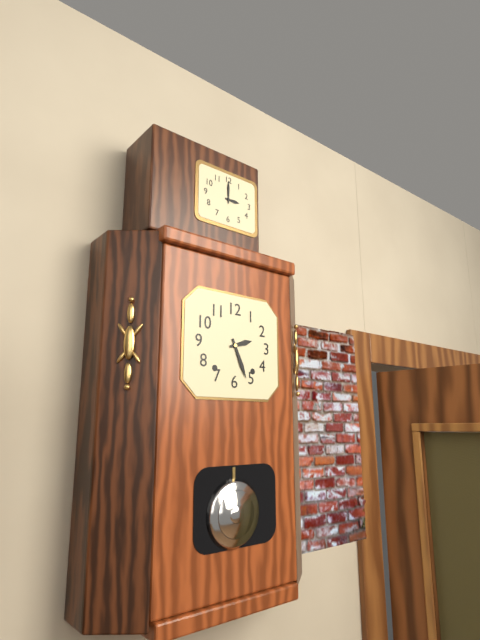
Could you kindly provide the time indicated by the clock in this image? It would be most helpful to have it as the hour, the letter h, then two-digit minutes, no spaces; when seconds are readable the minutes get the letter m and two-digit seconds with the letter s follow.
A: 2h26
